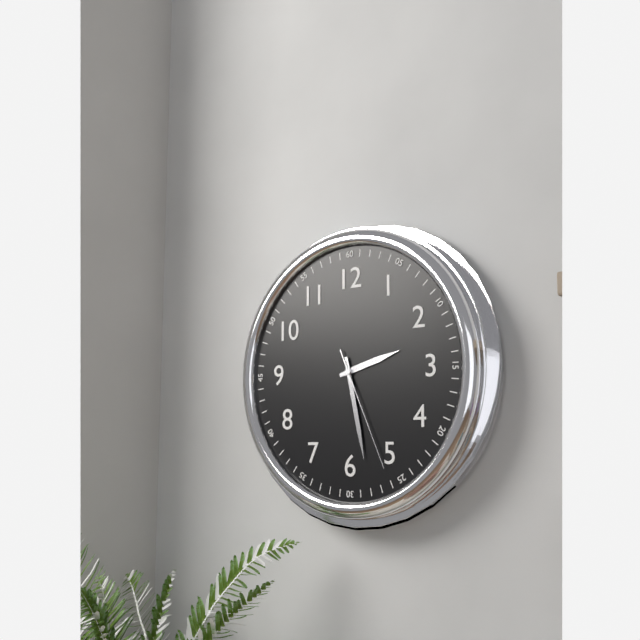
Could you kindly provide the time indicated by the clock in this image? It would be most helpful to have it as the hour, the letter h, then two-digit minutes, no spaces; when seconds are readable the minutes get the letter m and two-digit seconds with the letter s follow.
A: 2h28m26s
